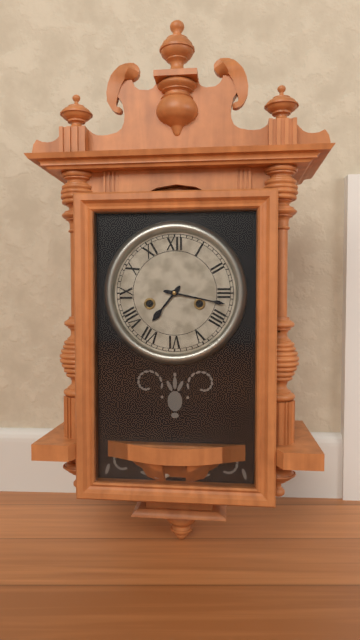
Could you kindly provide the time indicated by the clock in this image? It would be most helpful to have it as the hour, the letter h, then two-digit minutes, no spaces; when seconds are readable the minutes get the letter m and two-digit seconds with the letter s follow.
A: 7h17
